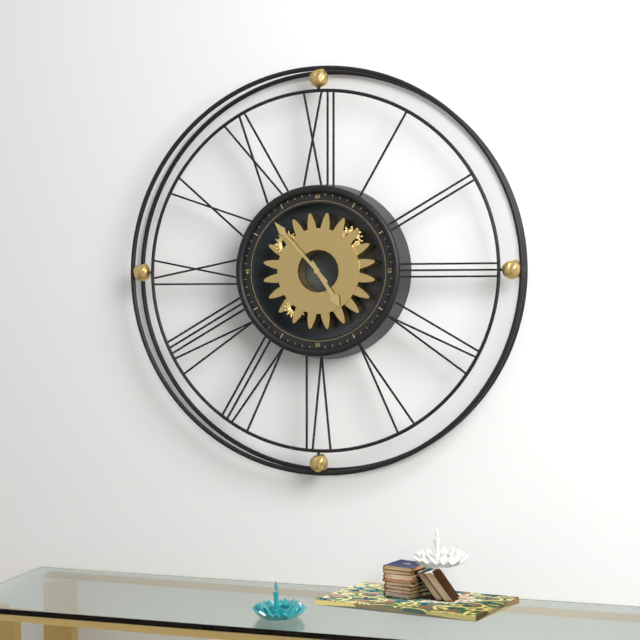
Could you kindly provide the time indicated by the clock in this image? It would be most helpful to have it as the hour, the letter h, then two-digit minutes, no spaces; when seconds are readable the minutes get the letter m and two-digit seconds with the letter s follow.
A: 4h53
